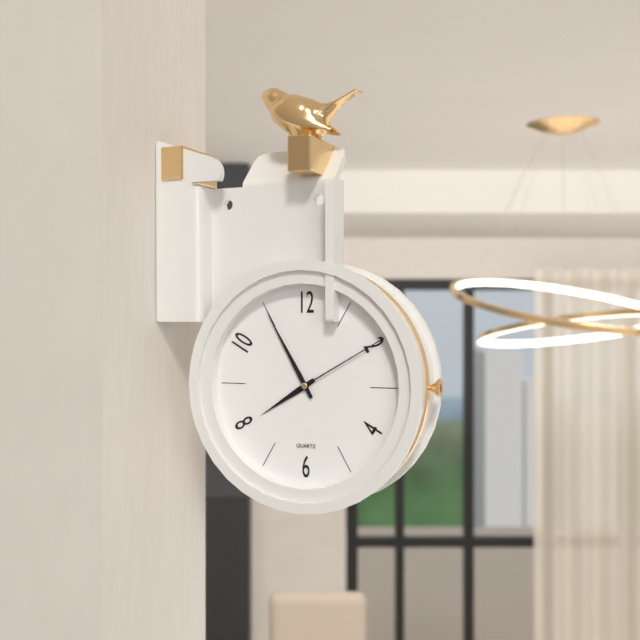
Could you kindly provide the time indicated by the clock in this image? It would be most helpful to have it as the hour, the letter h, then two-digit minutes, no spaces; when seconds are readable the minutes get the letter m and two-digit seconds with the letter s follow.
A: 7h55m10s
